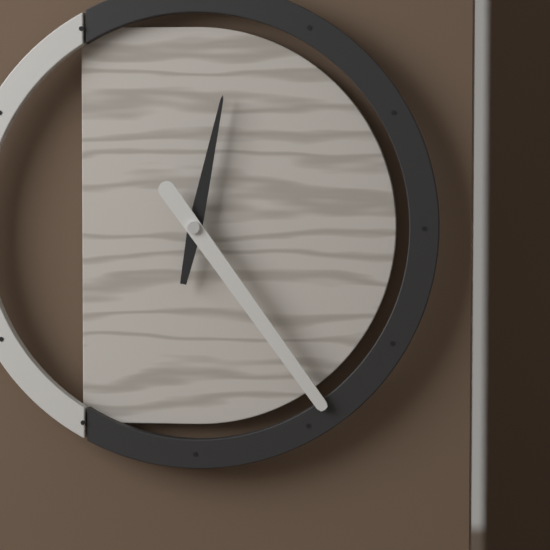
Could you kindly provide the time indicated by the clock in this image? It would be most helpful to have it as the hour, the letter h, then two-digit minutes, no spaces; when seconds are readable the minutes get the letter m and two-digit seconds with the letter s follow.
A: 12h24
